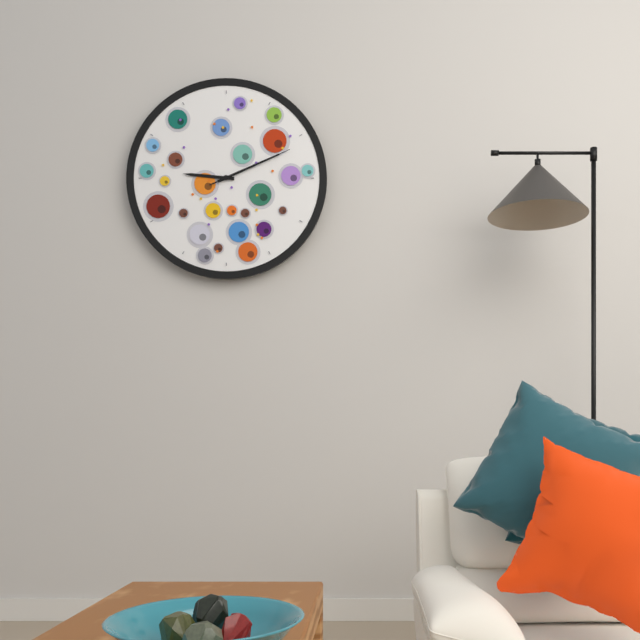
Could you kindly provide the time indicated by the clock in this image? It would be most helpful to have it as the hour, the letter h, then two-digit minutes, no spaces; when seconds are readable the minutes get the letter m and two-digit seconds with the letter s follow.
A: 9h11m11s
